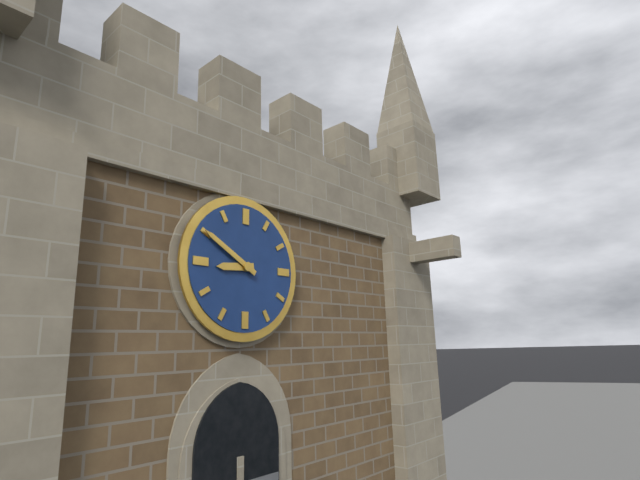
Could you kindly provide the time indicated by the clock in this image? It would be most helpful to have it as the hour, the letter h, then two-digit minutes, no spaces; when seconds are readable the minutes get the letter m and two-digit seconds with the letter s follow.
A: 8h50
